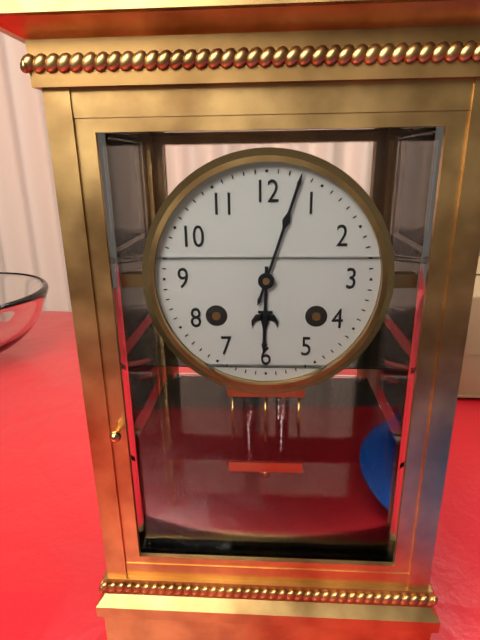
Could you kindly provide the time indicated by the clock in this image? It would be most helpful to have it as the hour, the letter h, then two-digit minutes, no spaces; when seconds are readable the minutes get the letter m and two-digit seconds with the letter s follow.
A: 6h03
